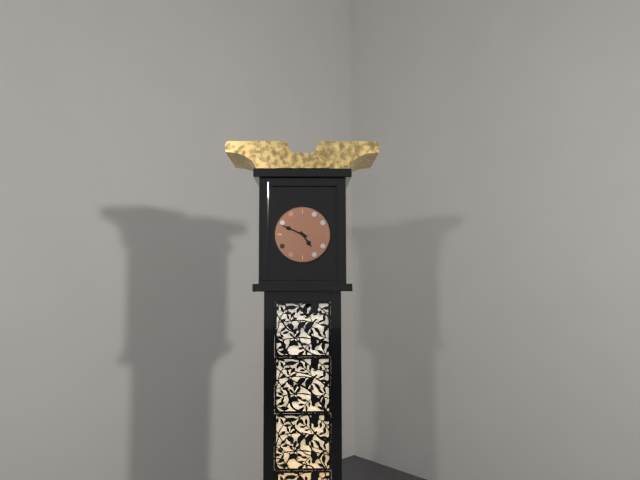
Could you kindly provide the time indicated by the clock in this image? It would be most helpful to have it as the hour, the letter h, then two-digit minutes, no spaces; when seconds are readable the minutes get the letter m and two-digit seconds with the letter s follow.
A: 4h49
